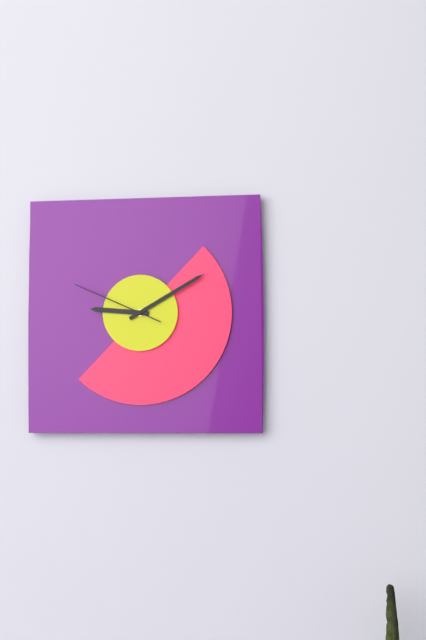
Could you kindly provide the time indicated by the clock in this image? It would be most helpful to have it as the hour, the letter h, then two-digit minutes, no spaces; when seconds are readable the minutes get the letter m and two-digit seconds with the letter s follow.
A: 9h10m49s
